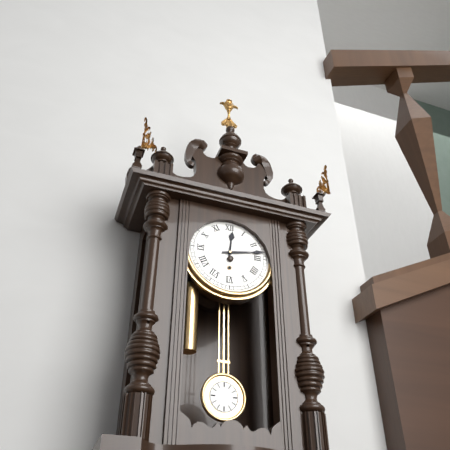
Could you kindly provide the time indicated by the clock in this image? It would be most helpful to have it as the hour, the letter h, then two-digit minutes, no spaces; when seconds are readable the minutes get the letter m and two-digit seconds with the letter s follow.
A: 12h13
